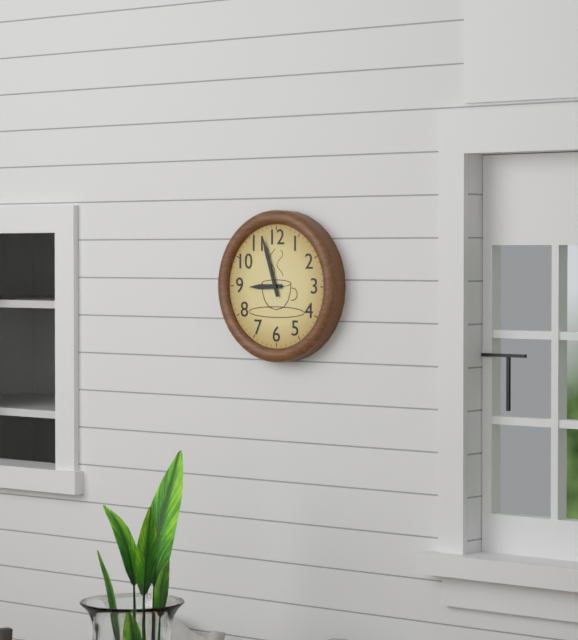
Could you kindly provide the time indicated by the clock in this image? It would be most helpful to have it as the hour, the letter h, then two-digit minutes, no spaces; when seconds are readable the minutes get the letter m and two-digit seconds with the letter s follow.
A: 8h57
